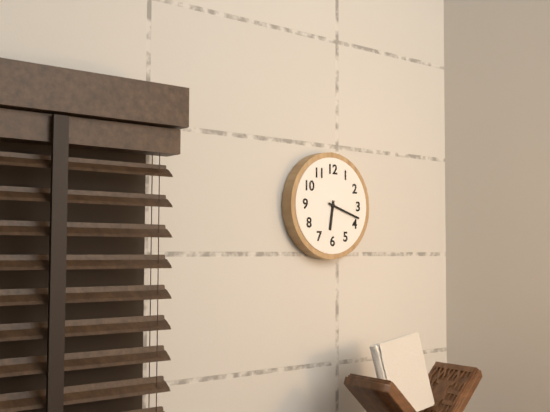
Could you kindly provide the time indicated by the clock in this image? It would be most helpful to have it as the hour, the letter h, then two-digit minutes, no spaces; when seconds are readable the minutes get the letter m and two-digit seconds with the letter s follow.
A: 6h18
